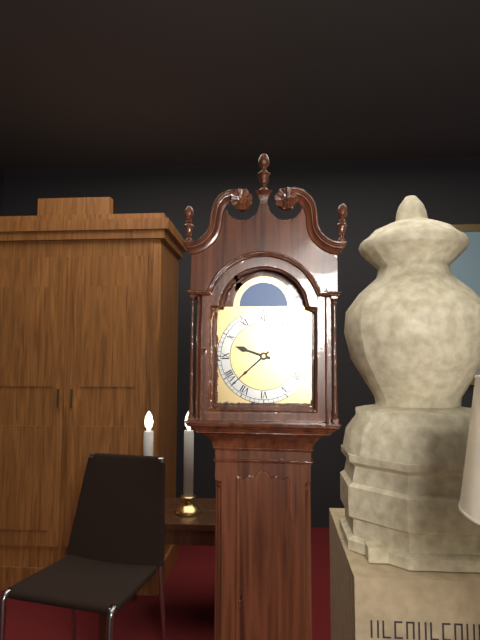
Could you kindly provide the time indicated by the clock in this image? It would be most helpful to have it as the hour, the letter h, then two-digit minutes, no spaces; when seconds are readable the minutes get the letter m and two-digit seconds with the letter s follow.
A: 9h38
